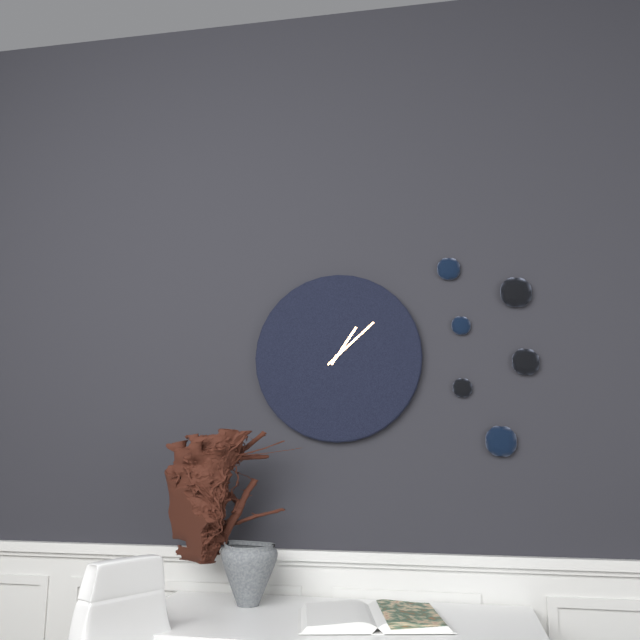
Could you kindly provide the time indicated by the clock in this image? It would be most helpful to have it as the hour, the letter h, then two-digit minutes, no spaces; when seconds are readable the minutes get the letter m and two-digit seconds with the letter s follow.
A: 1h08
